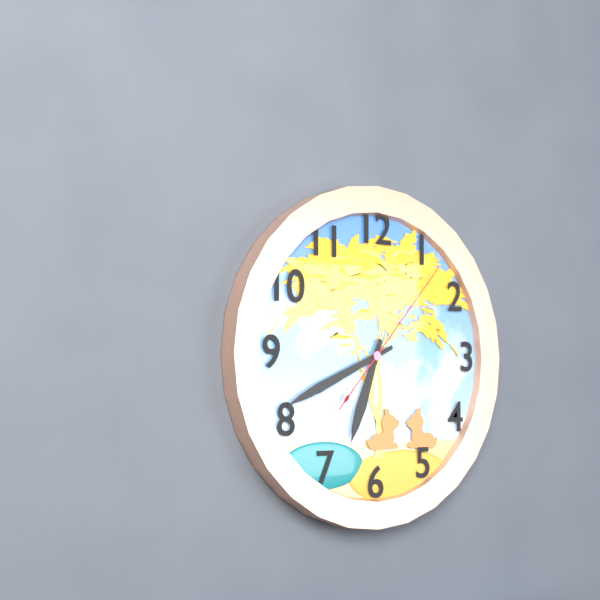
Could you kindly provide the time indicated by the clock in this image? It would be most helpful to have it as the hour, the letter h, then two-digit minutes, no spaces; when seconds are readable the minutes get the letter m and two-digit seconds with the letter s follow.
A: 6h41m07s
